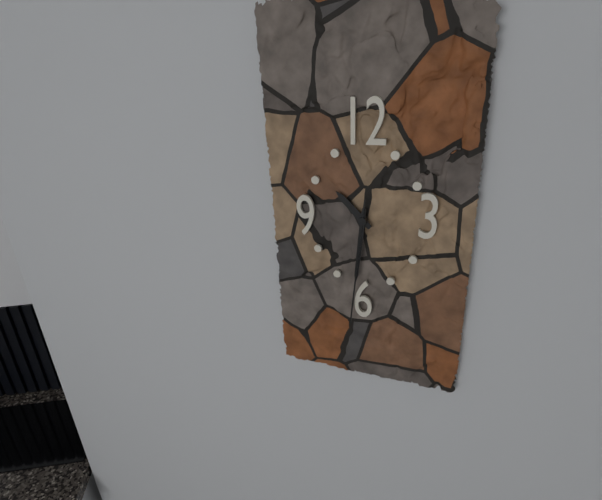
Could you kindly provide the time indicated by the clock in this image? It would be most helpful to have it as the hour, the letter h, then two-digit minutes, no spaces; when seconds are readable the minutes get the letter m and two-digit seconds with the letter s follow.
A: 10h31m31s
